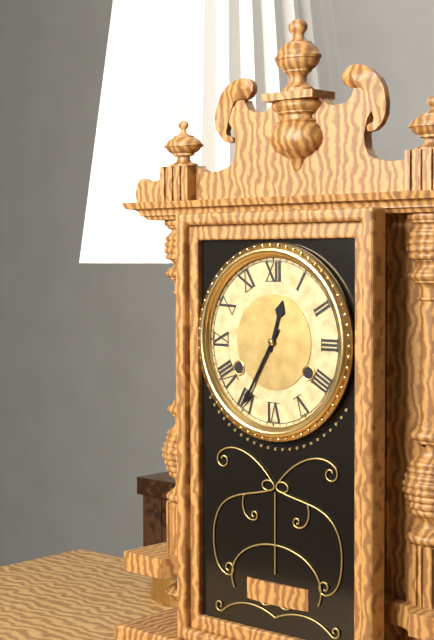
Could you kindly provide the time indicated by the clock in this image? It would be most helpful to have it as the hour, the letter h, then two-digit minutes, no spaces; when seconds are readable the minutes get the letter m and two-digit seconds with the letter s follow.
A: 12h35
